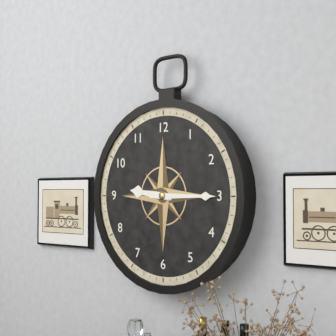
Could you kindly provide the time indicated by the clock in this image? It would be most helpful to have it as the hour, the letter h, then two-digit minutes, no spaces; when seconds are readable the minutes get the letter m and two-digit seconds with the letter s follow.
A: 9h15
